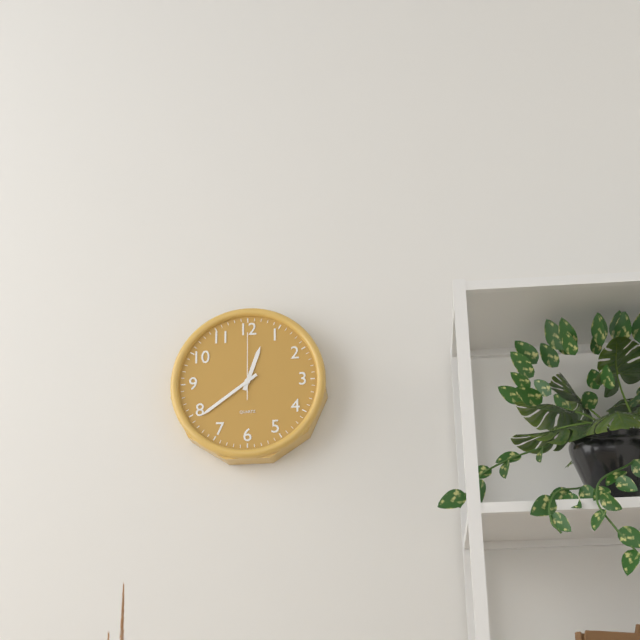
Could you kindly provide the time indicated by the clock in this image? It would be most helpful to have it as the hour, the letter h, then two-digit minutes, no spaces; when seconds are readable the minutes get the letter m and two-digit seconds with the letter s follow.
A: 12h39m00s
